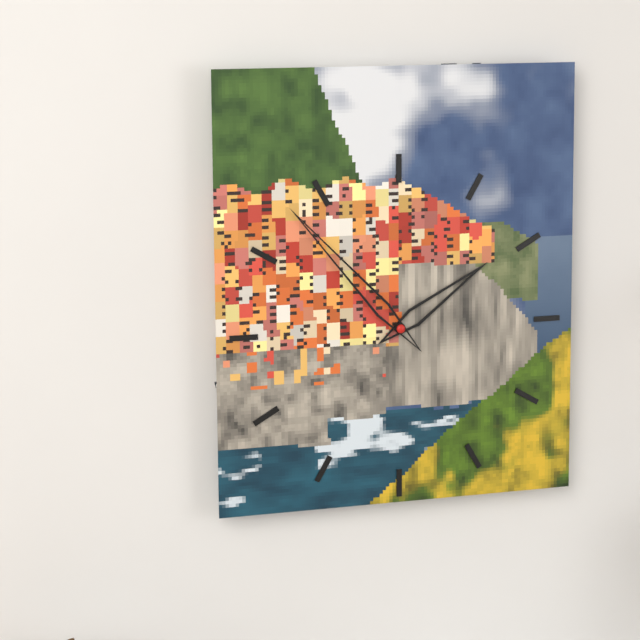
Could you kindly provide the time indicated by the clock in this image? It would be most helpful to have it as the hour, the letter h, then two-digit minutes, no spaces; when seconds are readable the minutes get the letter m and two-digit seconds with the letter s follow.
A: 1h53
